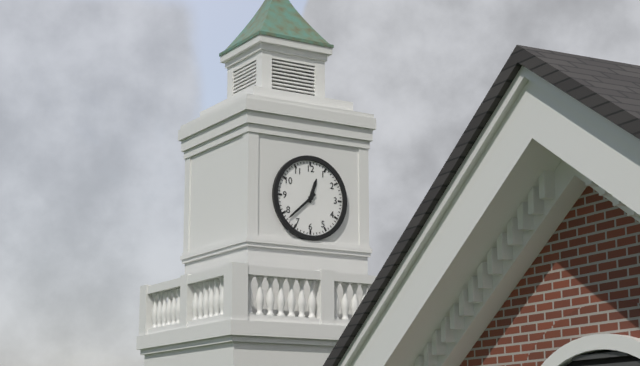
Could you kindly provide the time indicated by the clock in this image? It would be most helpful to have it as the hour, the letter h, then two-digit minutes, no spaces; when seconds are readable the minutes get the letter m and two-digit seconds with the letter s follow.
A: 12h38
